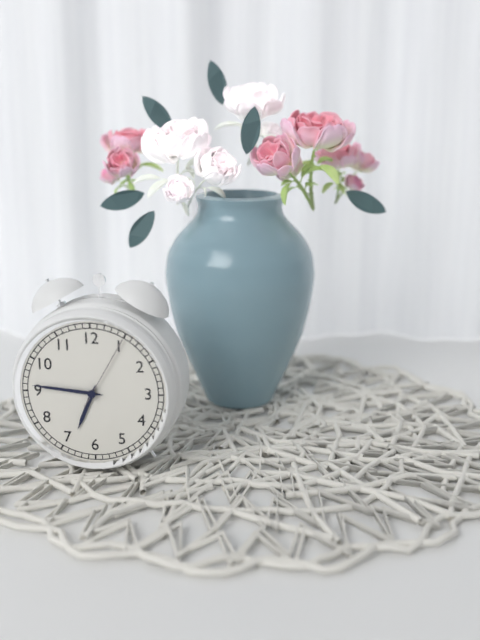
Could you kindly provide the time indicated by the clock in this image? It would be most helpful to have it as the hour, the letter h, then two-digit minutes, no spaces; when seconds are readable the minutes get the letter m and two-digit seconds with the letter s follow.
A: 6h46m05s
